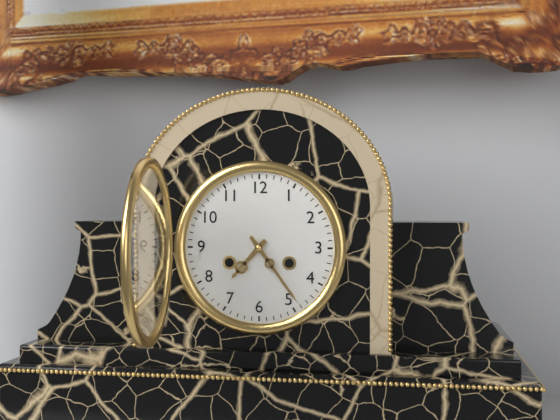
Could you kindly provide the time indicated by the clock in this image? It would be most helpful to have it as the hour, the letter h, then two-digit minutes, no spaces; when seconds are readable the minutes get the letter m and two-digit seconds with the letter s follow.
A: 7h24
